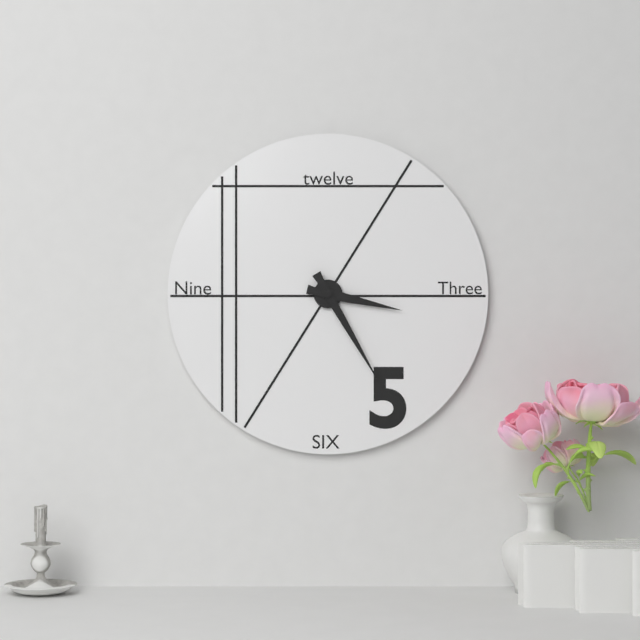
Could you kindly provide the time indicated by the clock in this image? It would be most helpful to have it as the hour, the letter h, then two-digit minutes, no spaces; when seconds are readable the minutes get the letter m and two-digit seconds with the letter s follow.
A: 3h25
